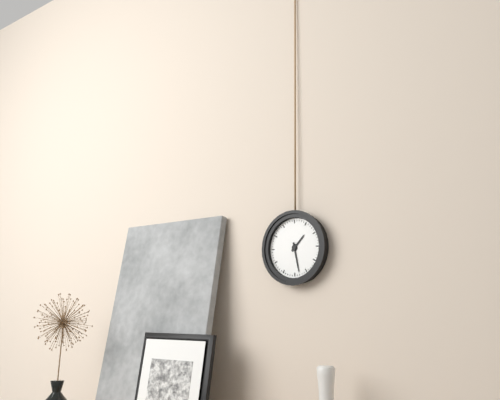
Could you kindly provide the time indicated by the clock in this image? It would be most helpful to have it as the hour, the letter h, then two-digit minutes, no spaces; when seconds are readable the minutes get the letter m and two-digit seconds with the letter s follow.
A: 1h28
